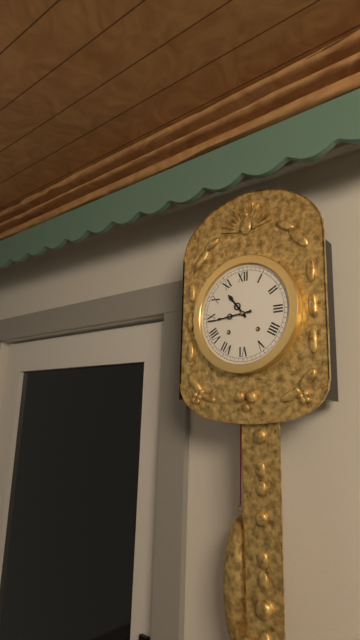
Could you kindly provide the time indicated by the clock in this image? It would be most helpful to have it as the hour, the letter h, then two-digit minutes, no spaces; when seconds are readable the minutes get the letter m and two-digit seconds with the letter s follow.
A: 10h44
